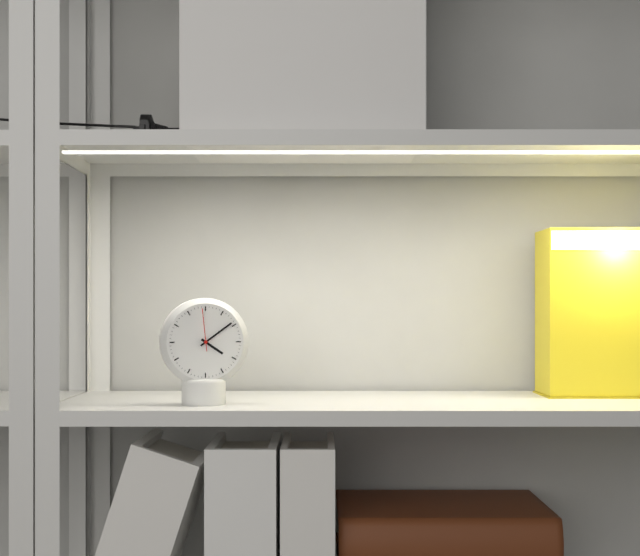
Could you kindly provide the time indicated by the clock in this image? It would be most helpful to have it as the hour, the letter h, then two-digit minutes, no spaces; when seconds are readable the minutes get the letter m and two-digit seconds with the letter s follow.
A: 4h09
